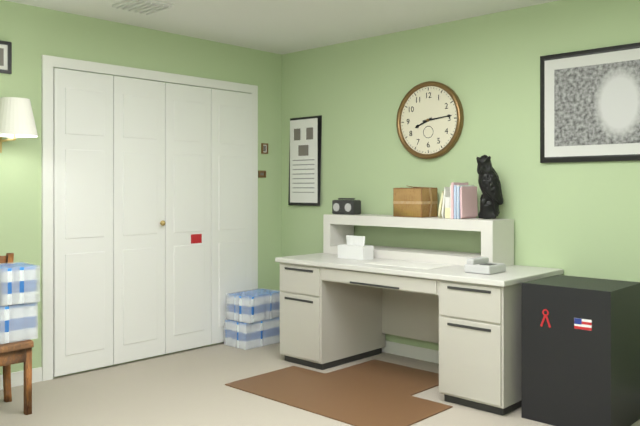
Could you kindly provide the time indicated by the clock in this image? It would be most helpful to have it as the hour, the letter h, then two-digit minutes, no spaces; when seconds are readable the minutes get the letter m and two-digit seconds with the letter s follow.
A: 8h14
